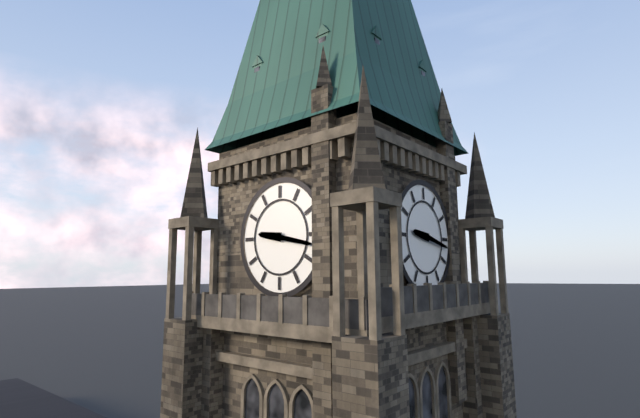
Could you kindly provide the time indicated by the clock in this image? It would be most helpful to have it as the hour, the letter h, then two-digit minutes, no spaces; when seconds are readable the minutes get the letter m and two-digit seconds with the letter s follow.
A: 9h17
